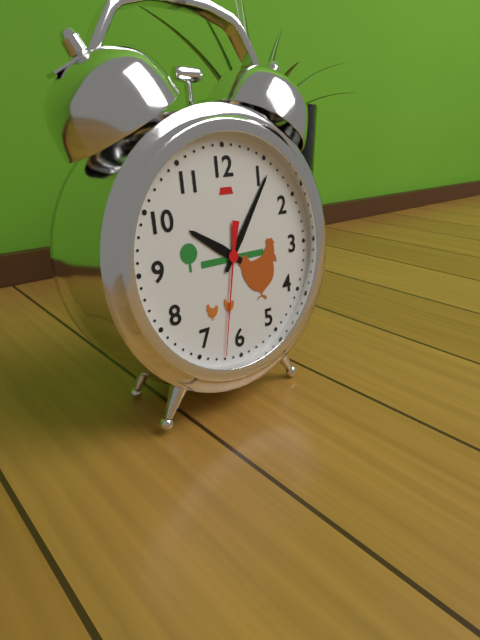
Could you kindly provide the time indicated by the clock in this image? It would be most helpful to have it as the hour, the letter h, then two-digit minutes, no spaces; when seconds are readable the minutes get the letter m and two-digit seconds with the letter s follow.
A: 10h06m32s
